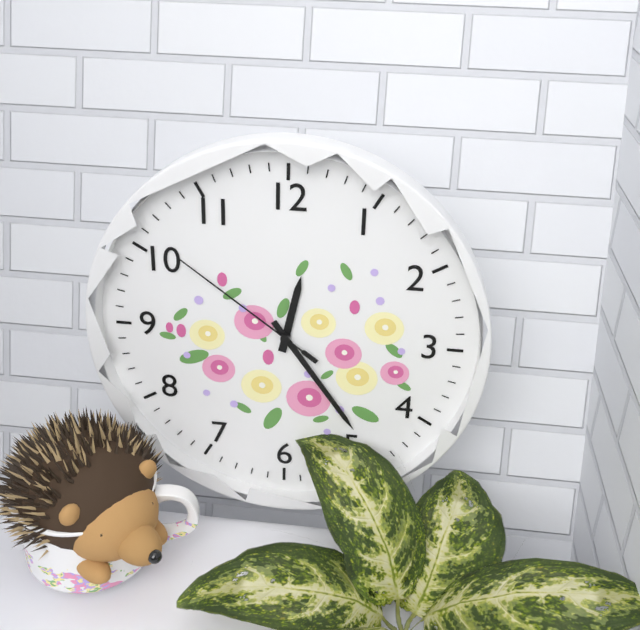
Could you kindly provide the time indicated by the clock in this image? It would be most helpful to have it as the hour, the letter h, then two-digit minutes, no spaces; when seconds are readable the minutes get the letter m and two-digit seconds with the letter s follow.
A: 12h24m51s
